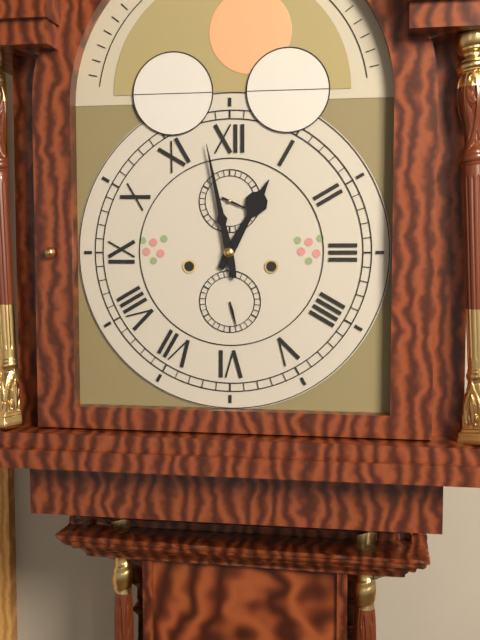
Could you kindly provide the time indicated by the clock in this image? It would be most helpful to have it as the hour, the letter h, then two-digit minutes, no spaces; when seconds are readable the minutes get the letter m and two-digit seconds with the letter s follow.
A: 12h58
